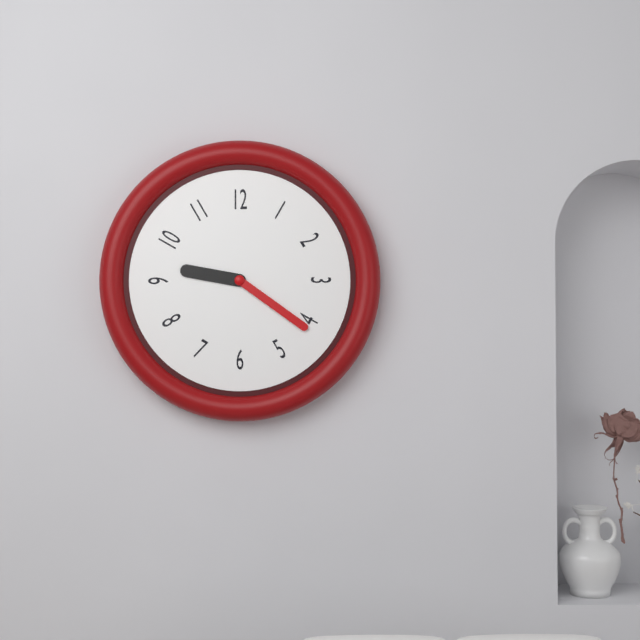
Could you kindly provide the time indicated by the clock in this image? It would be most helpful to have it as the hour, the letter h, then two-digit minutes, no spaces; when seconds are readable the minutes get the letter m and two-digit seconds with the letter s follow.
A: 9h21
